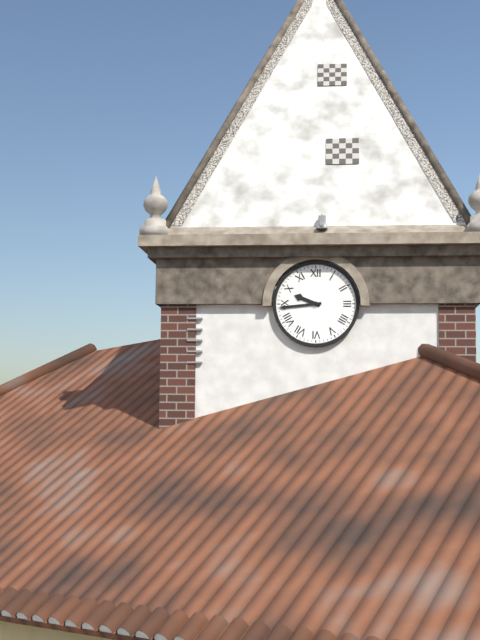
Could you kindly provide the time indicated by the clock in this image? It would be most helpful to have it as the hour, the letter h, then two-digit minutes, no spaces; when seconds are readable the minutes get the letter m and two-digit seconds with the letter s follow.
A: 9h44
